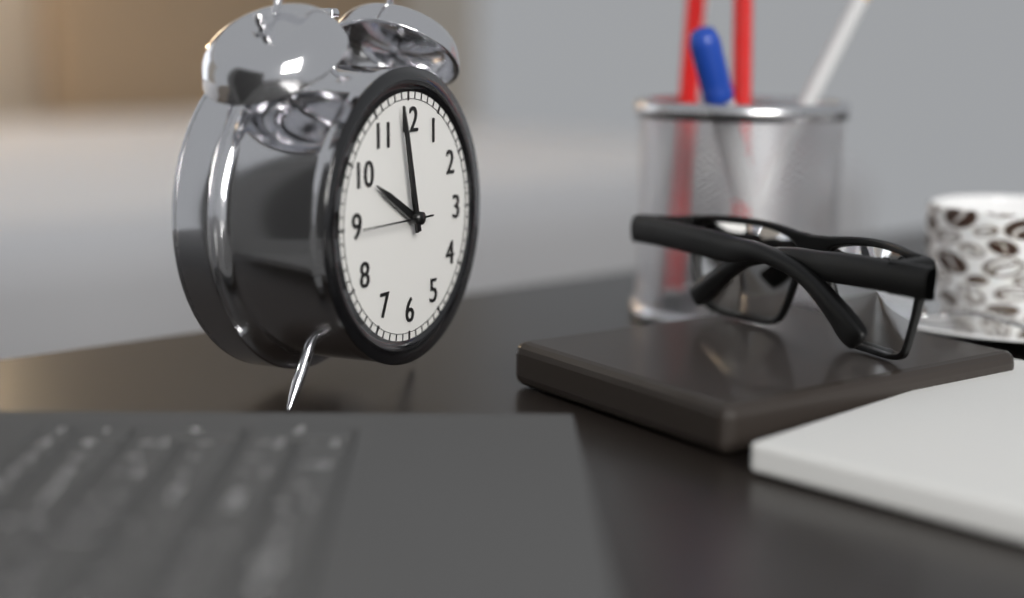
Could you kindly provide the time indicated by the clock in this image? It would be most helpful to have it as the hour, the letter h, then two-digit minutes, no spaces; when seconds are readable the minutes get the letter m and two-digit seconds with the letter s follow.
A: 9h58m45s
